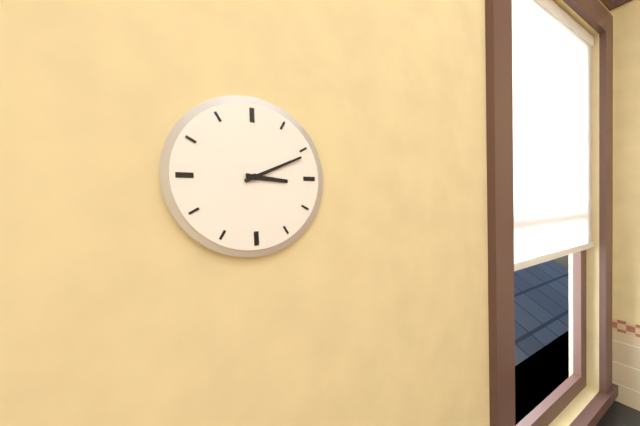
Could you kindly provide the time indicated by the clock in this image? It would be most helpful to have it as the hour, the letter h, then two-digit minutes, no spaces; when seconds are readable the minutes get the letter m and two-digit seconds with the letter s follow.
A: 3h11
